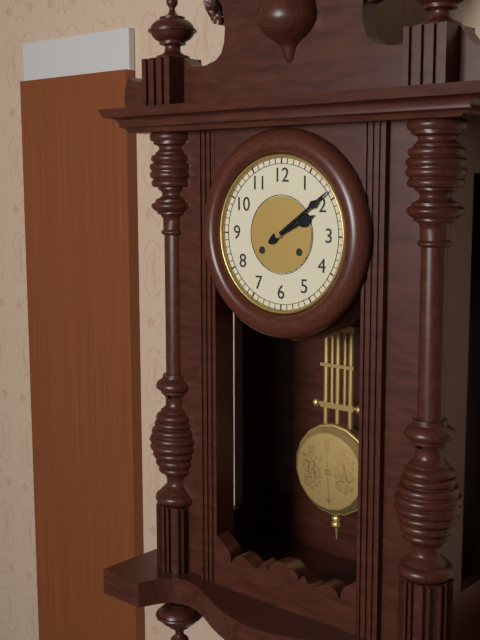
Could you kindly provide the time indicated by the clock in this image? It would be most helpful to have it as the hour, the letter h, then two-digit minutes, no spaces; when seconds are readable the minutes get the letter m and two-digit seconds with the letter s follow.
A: 2h09
